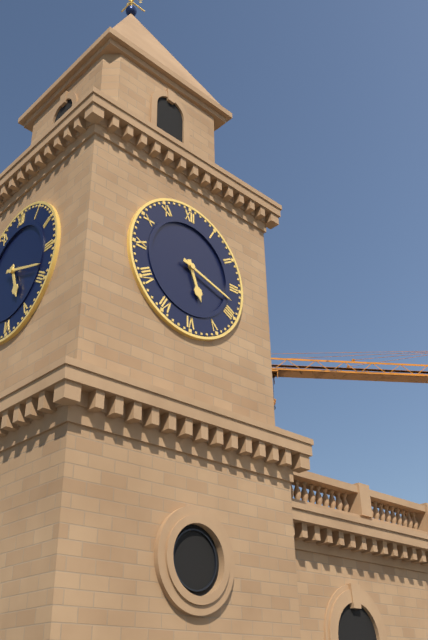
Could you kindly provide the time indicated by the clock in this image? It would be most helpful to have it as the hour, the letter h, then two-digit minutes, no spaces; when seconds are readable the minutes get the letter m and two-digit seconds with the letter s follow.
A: 5h18
